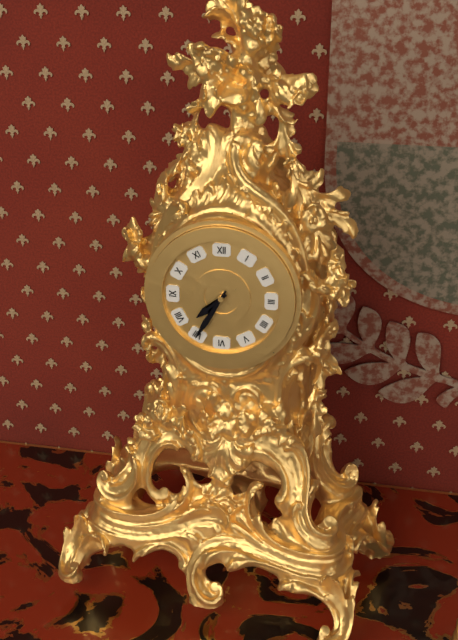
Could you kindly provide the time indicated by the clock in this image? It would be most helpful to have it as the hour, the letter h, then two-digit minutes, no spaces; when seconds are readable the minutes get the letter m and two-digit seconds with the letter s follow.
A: 7h35
